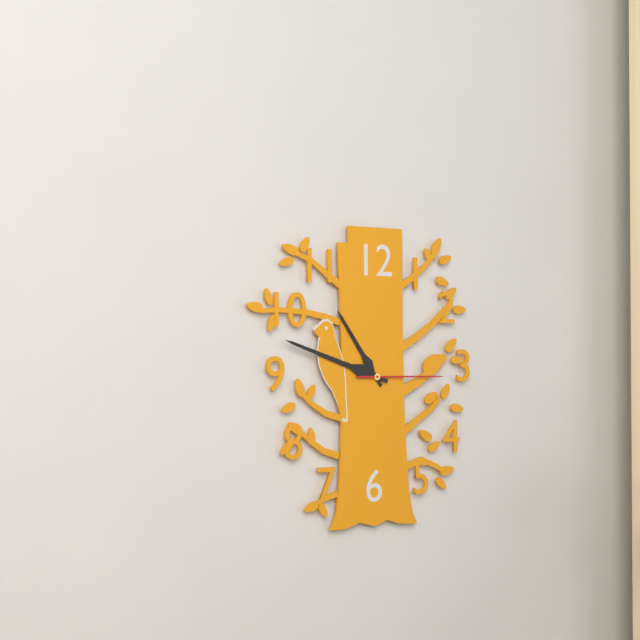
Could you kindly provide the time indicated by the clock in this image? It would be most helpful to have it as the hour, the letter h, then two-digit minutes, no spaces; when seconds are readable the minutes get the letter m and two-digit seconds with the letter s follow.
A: 10h48m15s
